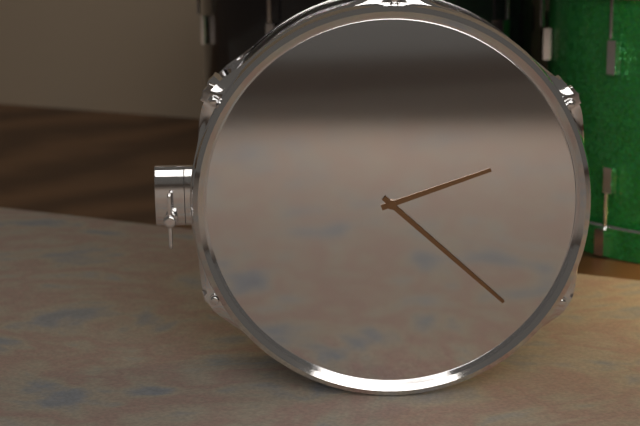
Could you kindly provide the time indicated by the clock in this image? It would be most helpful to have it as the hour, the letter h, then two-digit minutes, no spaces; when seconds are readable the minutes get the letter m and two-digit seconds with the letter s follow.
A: 2h22
